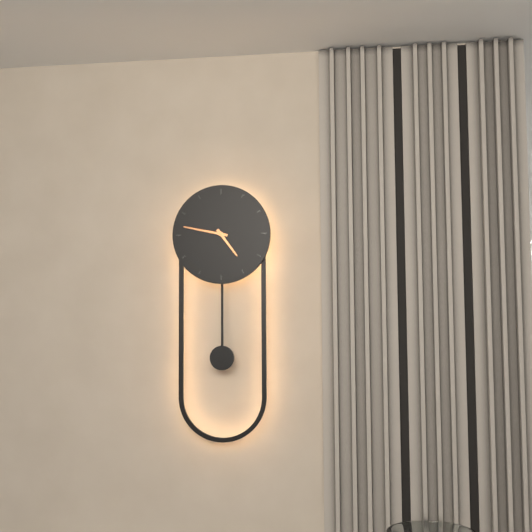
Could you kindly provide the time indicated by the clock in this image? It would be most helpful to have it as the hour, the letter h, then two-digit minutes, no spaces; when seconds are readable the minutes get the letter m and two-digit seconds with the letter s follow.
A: 4h47
